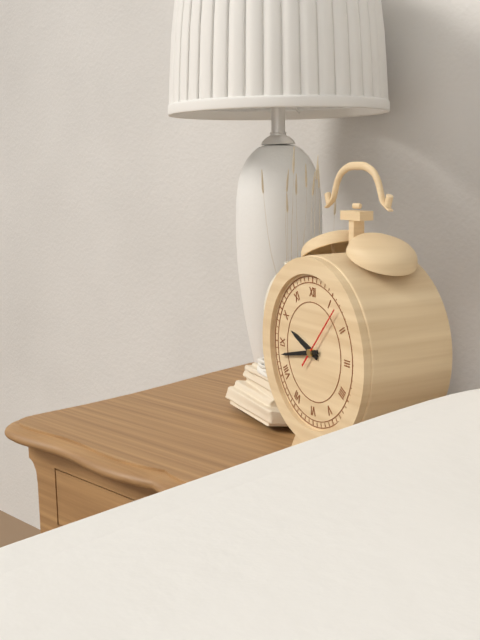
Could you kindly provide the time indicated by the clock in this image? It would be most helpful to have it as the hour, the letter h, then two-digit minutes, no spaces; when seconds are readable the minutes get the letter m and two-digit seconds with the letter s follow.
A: 9h43m07s
